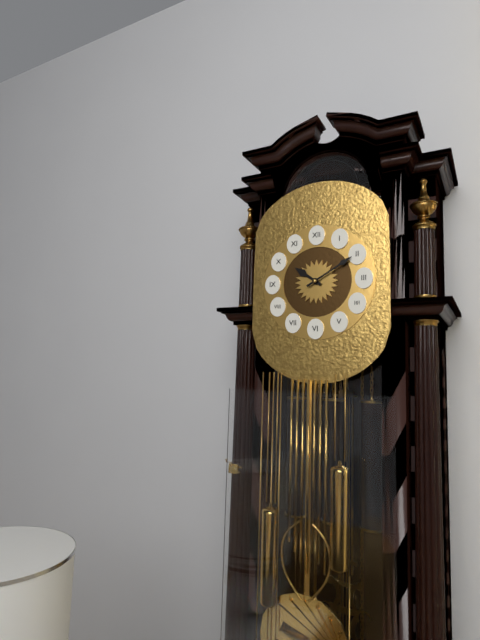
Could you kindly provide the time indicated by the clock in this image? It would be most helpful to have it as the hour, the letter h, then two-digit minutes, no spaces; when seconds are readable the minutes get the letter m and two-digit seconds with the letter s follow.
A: 10h10
